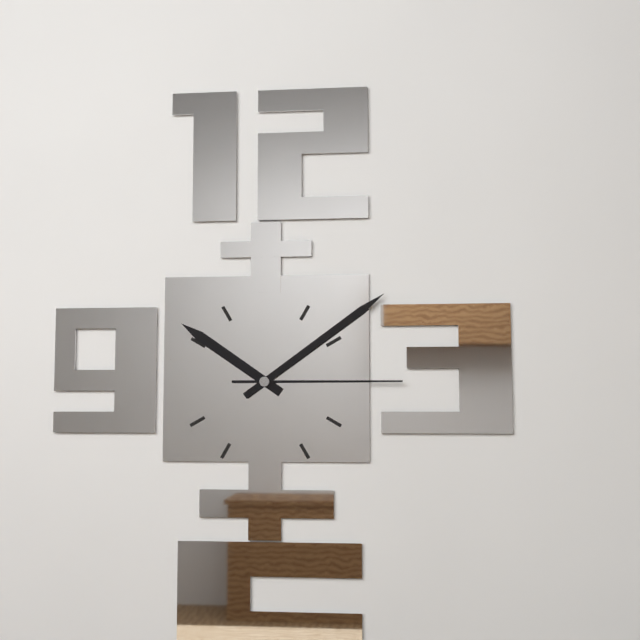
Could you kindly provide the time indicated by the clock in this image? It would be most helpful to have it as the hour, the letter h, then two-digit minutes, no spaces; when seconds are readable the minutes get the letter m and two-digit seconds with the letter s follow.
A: 10h09m15s
